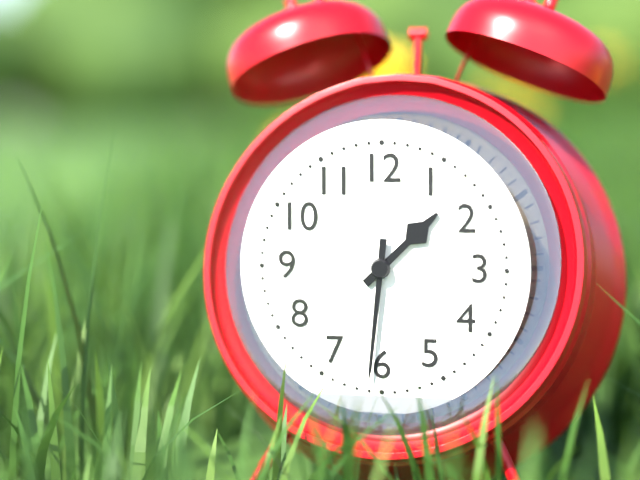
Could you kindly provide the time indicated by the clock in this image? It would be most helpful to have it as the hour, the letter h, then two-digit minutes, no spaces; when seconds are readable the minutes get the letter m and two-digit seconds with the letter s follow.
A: 1h31
